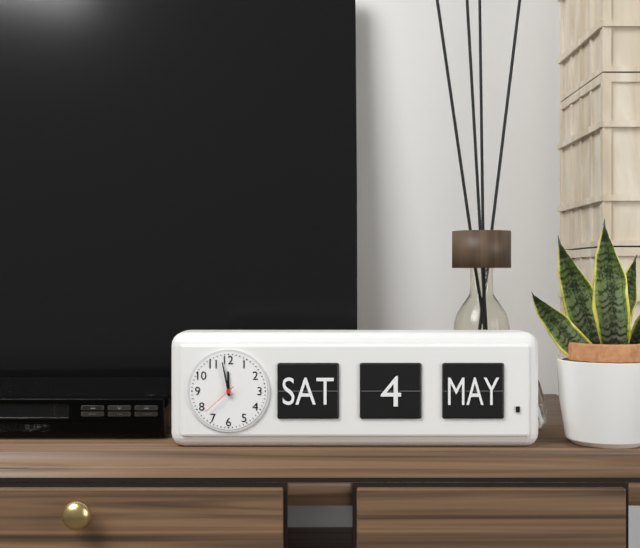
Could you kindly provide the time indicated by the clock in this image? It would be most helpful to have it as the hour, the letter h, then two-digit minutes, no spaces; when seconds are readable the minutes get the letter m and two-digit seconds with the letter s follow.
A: 11h58
